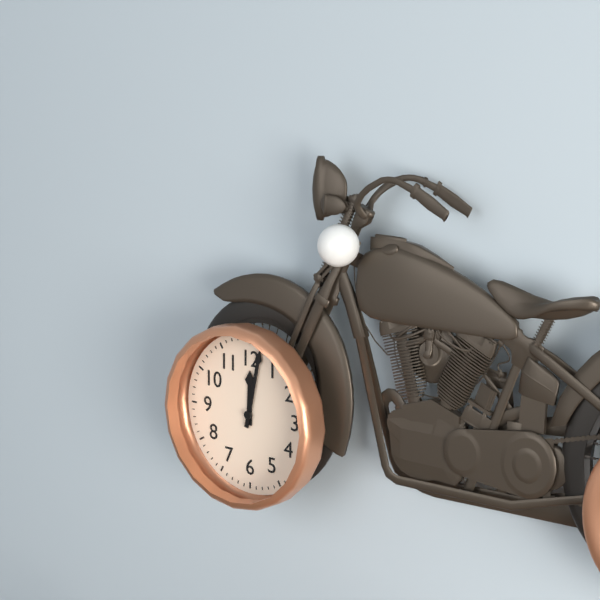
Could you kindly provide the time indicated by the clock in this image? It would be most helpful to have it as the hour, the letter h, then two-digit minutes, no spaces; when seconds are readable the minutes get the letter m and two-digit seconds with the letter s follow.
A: 12h02
